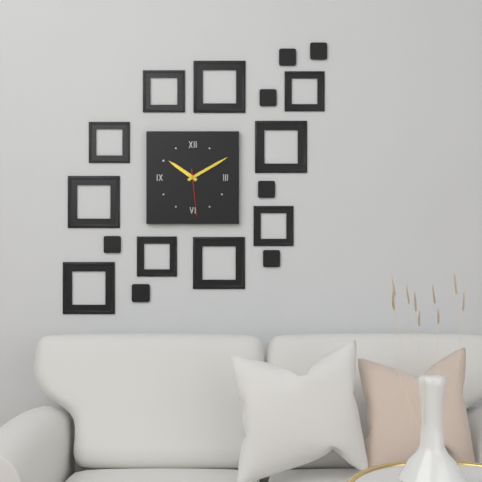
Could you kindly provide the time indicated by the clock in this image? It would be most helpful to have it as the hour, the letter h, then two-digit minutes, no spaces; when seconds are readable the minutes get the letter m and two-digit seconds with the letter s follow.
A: 10h10
